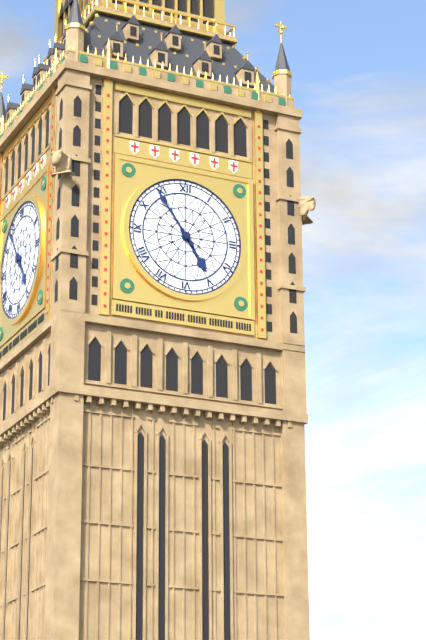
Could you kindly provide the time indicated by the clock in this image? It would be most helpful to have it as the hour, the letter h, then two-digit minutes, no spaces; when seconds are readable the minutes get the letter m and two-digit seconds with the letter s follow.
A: 4h54
